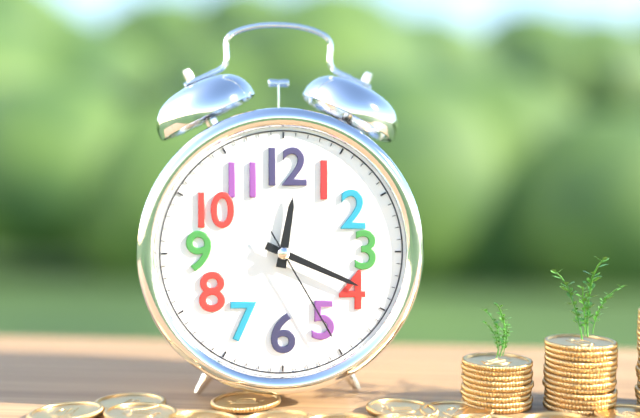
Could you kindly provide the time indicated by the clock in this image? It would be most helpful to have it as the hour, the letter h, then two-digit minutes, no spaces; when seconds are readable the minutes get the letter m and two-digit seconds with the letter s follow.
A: 12h19m25s
